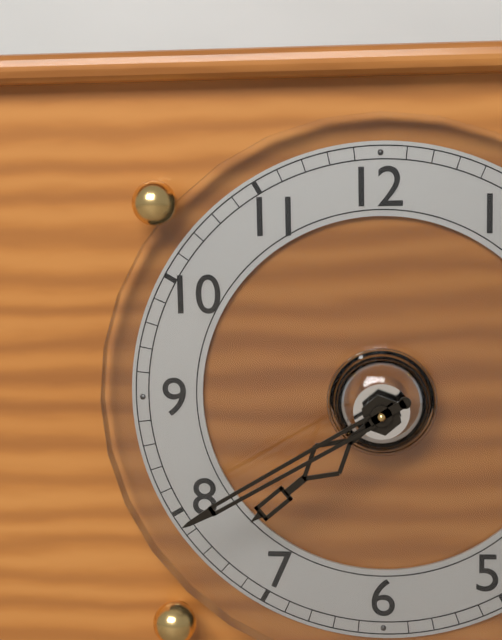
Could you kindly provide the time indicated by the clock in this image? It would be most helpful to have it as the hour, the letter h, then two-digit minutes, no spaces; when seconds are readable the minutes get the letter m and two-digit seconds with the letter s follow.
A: 7h40
